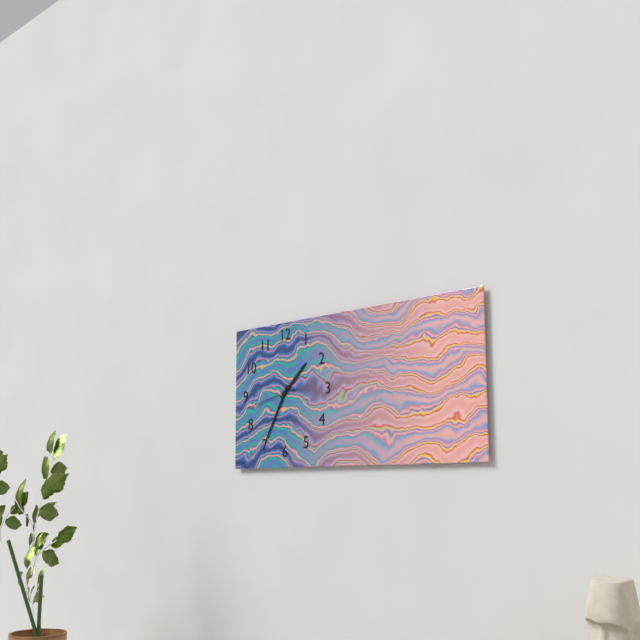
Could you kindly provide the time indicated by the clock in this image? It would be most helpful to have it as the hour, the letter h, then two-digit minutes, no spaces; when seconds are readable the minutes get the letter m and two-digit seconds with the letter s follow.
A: 1h35m43s
